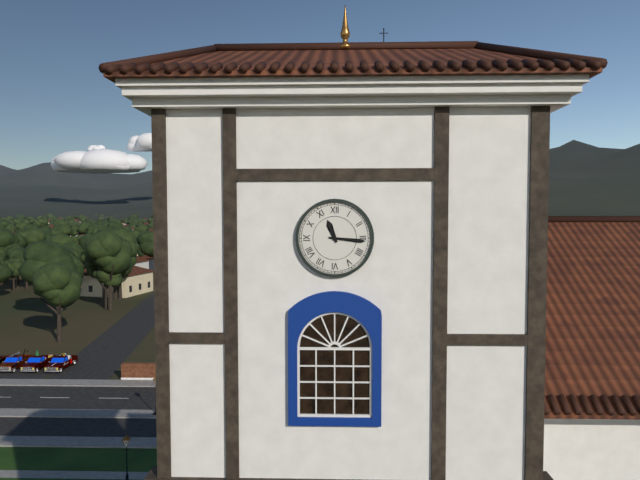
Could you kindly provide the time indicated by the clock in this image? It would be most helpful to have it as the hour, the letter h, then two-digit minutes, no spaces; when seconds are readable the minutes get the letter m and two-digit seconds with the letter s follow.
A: 11h16
